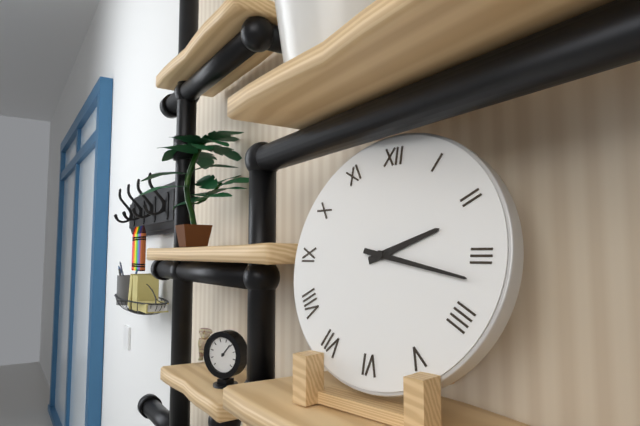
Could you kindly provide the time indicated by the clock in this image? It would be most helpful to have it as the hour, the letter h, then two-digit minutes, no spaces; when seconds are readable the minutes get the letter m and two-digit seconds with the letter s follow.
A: 2h17
